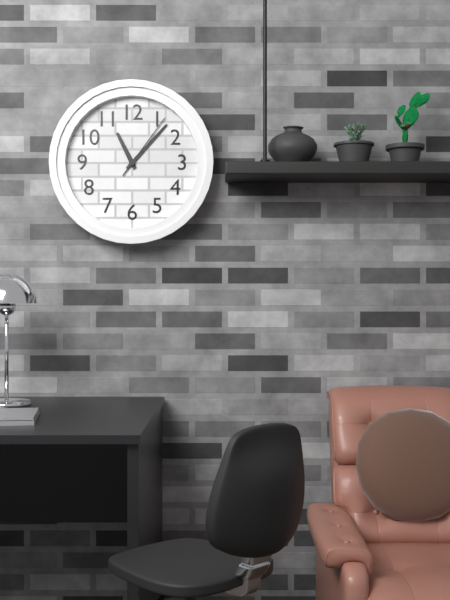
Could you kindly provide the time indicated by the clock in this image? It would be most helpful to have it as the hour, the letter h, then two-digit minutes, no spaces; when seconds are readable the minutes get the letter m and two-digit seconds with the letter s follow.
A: 11h07m06s
